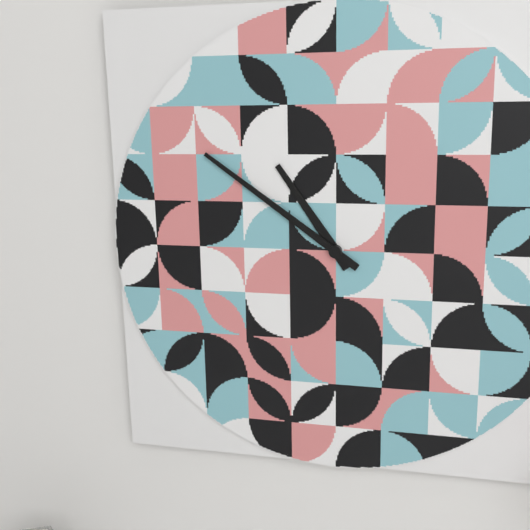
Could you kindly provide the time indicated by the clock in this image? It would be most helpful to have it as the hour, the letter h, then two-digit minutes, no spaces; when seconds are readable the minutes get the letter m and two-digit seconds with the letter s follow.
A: 10h51
